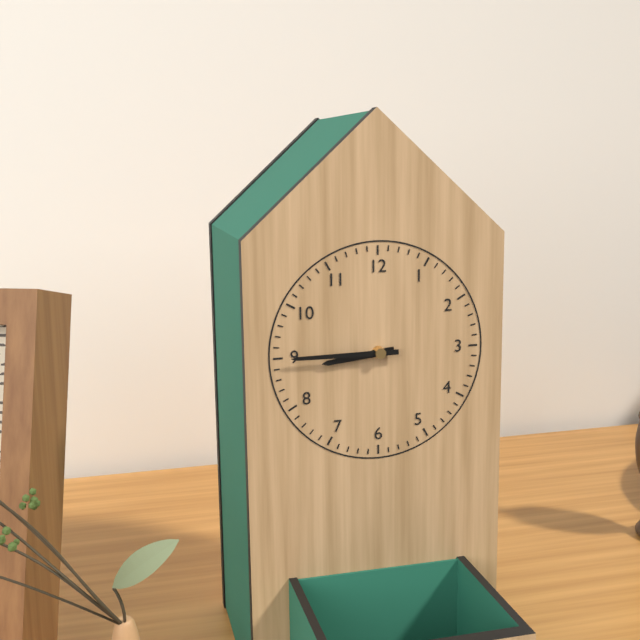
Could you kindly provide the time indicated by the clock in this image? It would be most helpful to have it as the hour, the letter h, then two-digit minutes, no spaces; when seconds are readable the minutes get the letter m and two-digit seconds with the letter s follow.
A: 8h45
